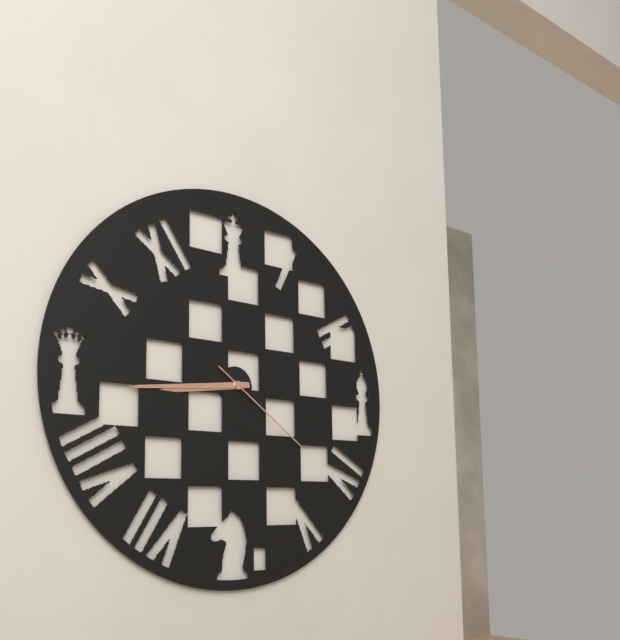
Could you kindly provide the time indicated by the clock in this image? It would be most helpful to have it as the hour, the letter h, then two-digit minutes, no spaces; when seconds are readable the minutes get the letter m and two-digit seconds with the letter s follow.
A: 8h44m21s
